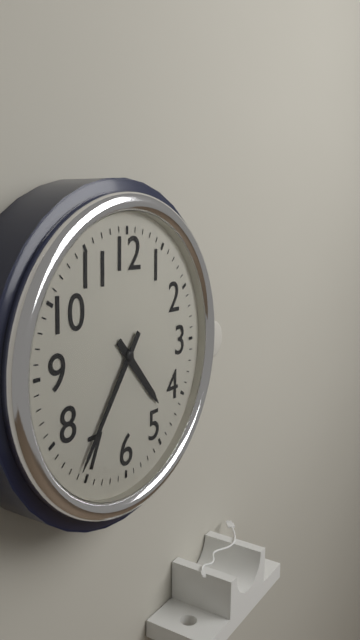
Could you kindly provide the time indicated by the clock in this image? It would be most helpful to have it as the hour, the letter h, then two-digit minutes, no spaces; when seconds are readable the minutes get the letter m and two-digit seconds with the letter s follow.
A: 4h36
